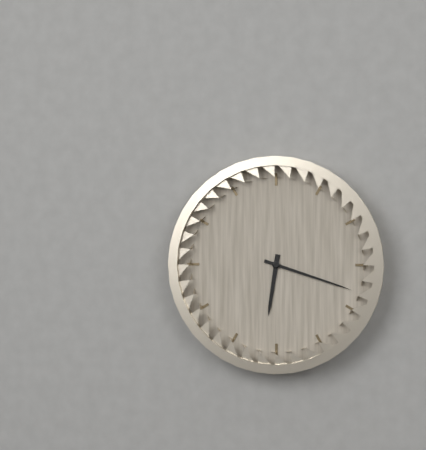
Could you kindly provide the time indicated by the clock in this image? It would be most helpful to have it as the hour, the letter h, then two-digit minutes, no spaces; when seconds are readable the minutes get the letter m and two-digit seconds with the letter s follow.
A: 6h18
